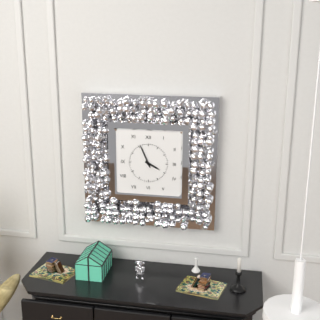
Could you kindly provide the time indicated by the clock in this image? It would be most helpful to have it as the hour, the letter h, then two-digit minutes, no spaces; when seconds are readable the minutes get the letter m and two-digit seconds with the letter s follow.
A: 3h56
